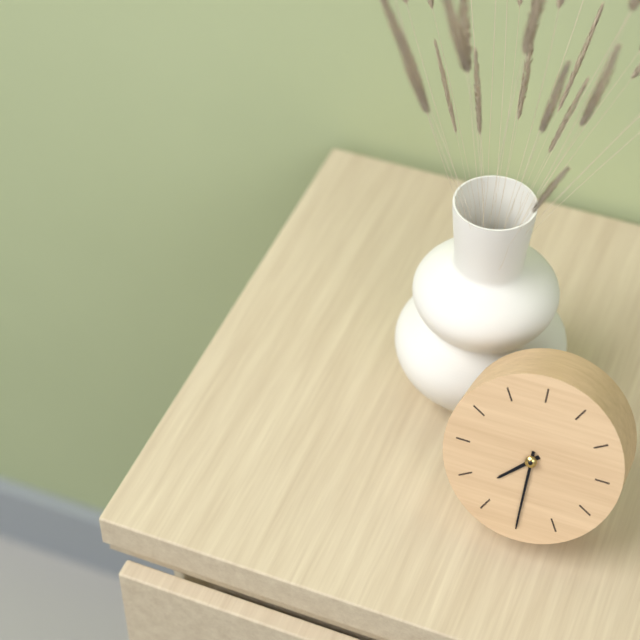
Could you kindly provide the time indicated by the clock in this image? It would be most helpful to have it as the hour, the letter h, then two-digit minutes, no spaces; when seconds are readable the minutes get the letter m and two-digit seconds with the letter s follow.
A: 7h30
